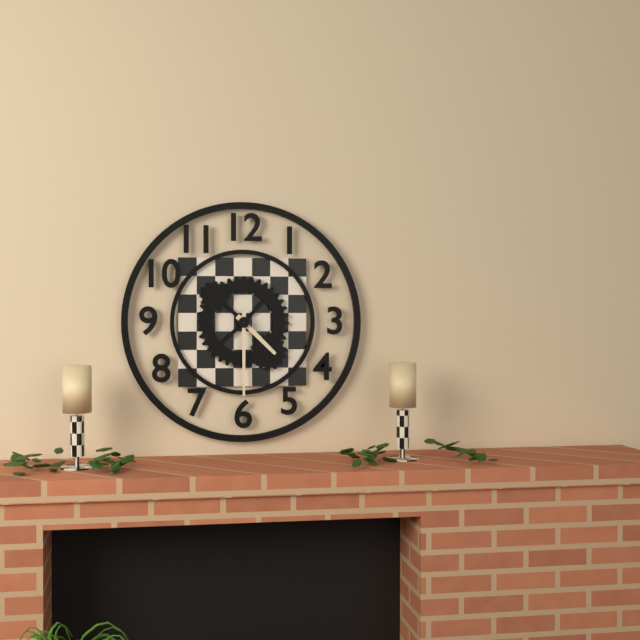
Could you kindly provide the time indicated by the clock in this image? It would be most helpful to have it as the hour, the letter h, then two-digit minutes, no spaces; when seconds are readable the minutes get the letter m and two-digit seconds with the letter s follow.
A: 4h30
